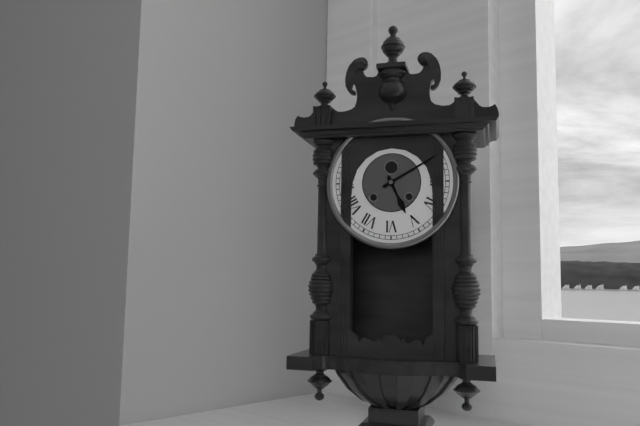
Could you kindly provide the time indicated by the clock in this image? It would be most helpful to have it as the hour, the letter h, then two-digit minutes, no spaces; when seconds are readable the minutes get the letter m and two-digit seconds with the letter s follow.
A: 5h10
